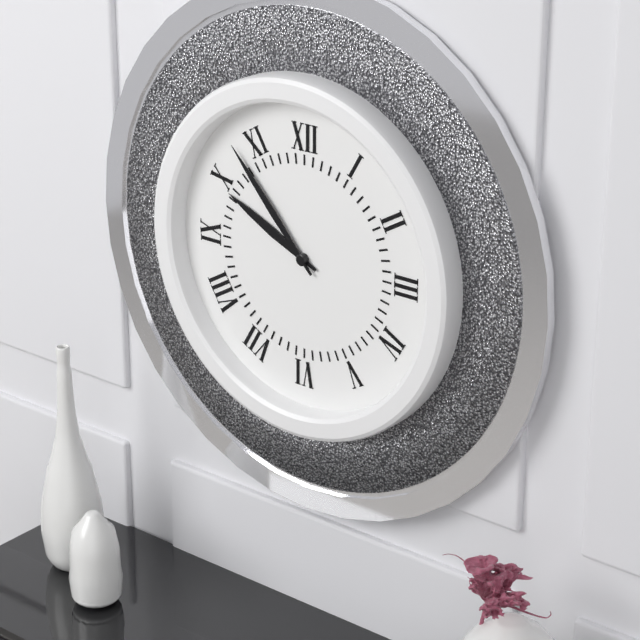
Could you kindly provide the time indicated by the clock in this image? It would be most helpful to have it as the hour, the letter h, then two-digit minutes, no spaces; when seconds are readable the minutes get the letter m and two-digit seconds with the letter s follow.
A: 9h53
